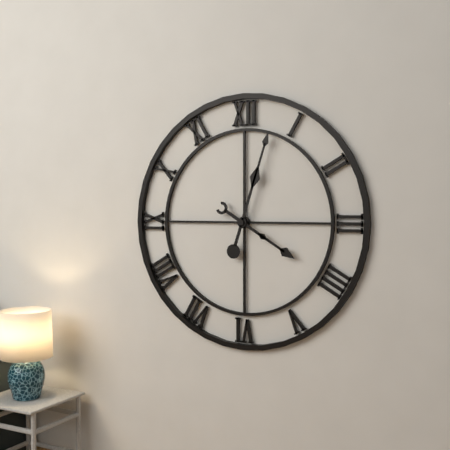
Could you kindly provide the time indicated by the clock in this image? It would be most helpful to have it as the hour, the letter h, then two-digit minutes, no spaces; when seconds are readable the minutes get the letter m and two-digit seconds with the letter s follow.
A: 4h03
